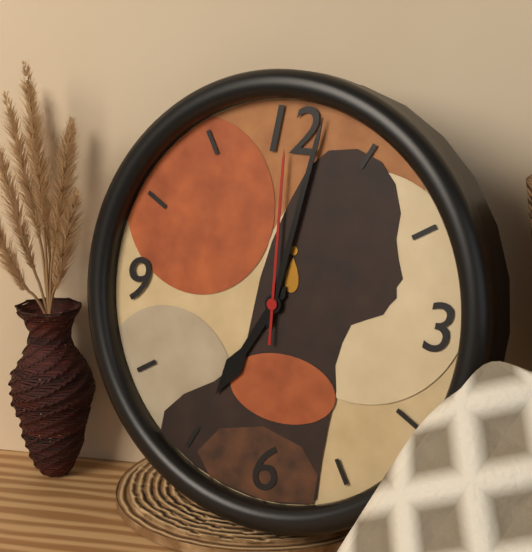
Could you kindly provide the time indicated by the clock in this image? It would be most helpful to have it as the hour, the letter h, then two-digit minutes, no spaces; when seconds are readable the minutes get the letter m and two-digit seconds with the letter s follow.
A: 7h02m00s
